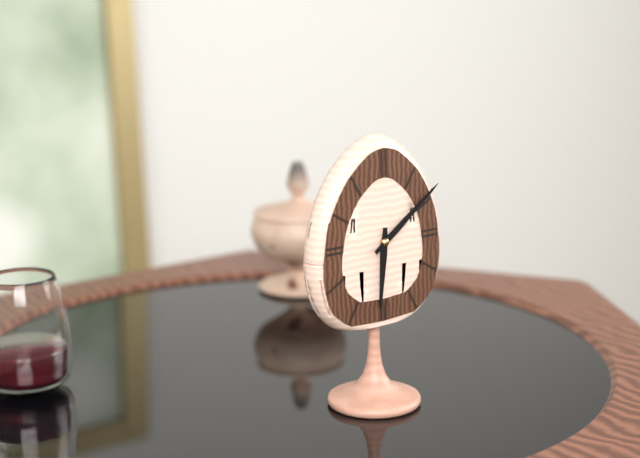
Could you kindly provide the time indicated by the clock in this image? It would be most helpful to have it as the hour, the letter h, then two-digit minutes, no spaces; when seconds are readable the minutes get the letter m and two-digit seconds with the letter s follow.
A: 6h09
